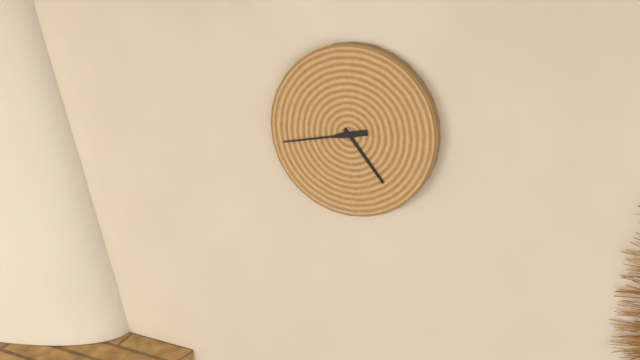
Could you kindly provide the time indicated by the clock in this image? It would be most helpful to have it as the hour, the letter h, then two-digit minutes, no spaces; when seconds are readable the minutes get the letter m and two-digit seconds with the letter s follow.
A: 4h43
